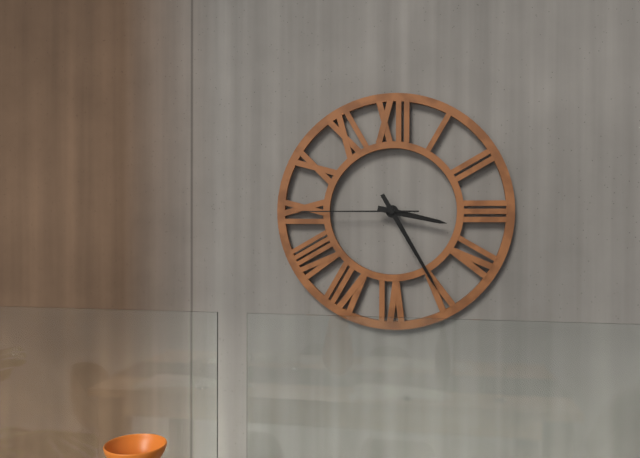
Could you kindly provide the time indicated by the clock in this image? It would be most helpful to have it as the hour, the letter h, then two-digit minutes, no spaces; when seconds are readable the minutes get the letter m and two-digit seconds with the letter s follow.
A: 3h25m45s
